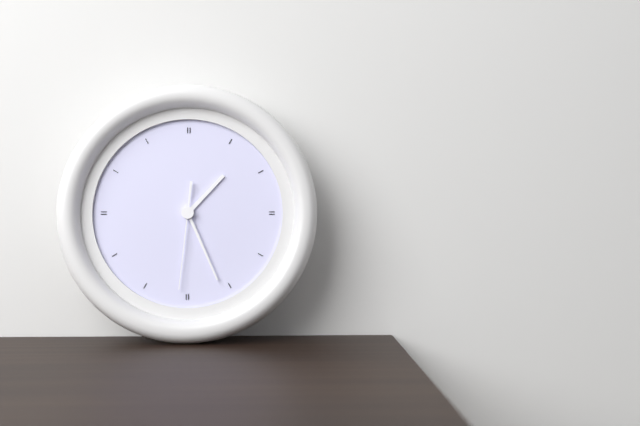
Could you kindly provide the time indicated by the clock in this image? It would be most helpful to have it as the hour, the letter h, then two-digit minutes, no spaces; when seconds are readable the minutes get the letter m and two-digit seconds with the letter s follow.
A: 1h26m31s
